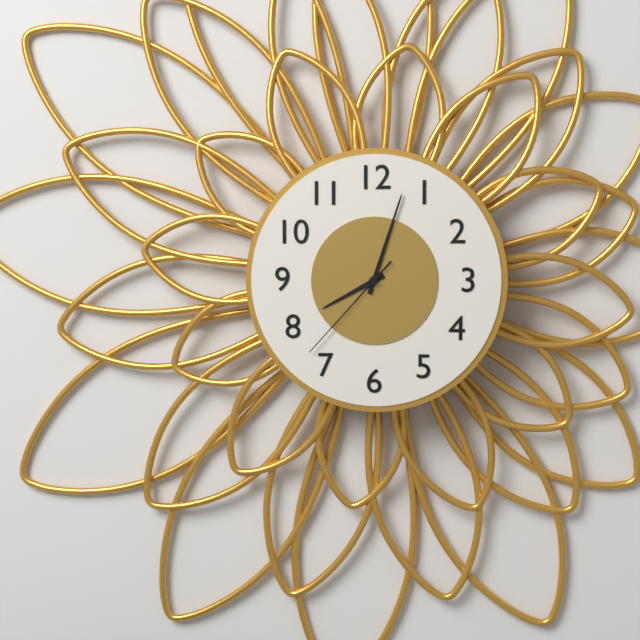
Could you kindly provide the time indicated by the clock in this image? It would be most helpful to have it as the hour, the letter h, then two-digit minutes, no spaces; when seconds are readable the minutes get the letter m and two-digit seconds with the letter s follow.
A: 8h03m37s
